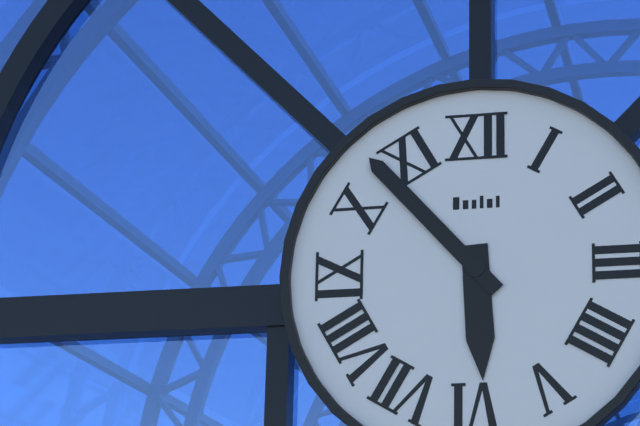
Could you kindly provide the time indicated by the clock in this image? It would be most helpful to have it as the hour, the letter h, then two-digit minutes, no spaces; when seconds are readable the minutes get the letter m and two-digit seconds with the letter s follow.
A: 5h53
